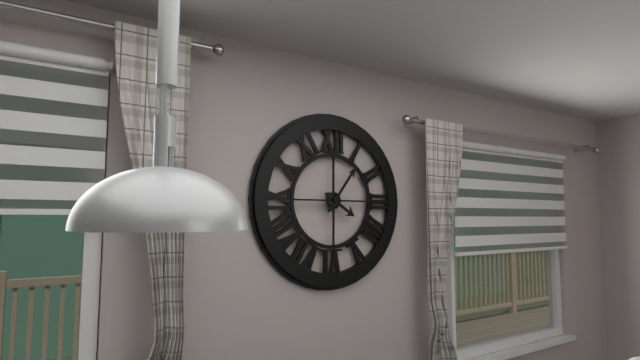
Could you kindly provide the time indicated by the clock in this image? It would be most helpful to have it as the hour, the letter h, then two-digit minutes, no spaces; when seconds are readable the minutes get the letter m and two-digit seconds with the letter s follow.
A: 4h06
